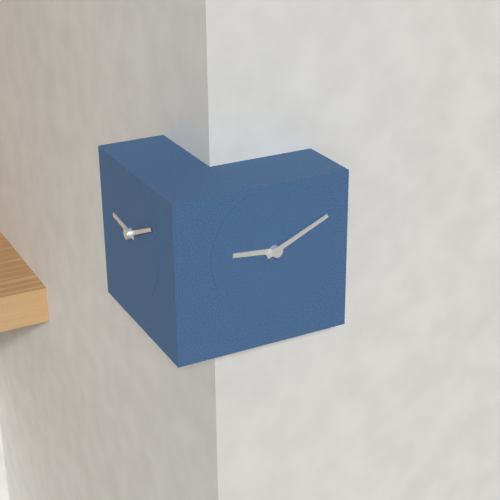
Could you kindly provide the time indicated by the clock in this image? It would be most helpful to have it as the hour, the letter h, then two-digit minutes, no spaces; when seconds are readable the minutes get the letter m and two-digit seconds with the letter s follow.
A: 9h11
